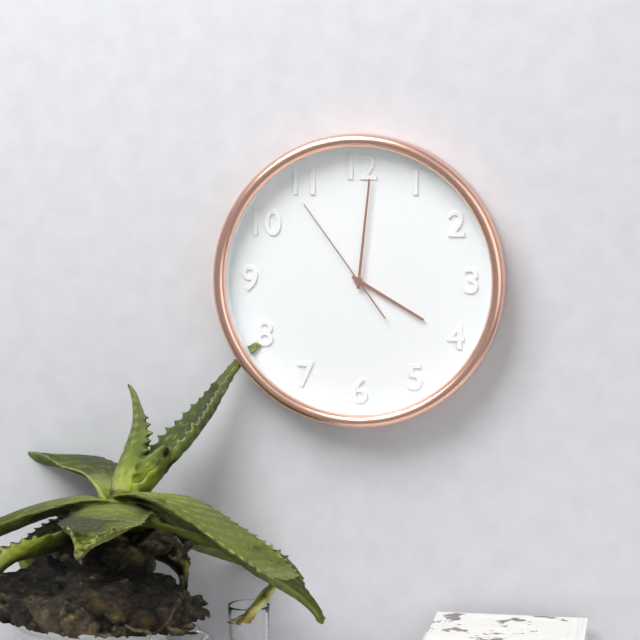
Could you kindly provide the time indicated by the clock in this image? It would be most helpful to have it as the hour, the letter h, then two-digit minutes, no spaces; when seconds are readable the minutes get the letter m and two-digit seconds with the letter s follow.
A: 4h01m54s
